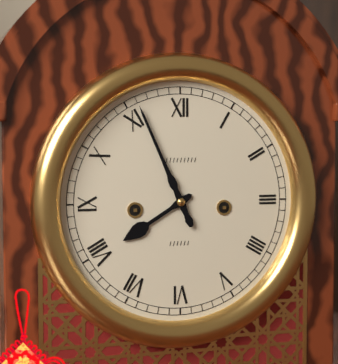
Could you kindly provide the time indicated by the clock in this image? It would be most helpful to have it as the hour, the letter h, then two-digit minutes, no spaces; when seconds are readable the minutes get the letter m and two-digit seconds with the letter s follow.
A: 7h56
